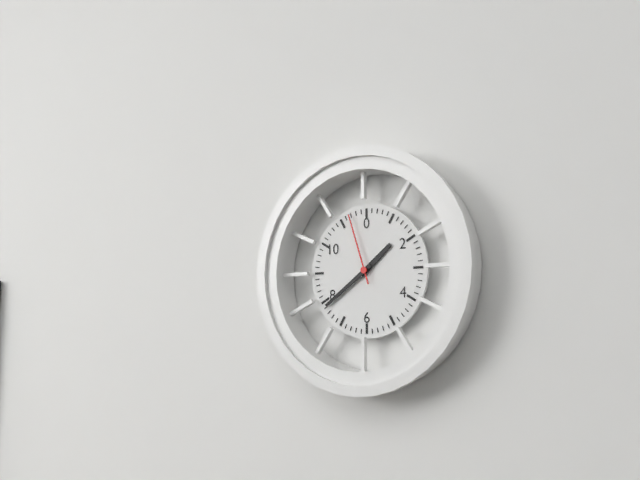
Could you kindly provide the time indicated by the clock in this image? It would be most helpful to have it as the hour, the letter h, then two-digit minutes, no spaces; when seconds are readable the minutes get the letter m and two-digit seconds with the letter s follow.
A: 1h39m57s
